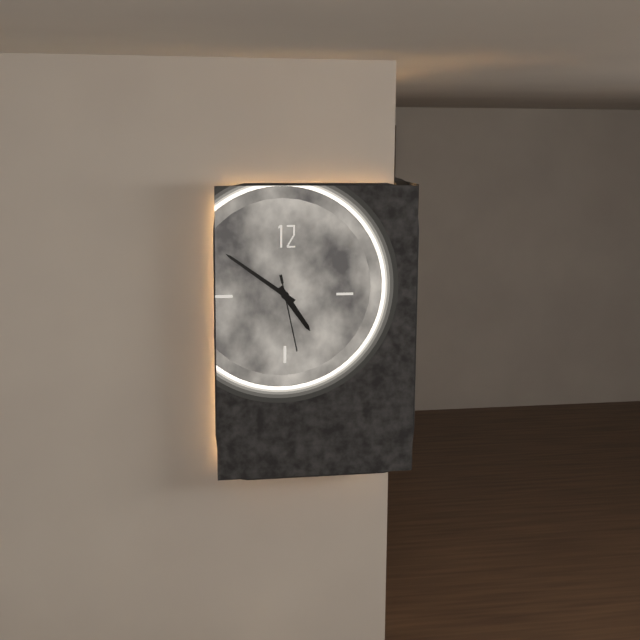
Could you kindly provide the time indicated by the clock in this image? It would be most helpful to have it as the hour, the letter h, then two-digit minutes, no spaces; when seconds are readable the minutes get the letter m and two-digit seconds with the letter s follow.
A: 4h51m28s
